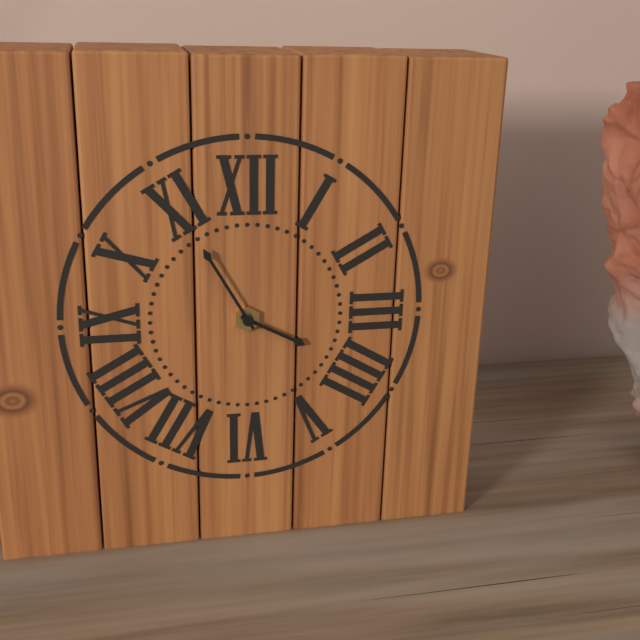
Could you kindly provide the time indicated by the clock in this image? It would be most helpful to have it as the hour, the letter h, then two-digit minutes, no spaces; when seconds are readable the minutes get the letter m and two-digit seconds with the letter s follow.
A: 3h55
